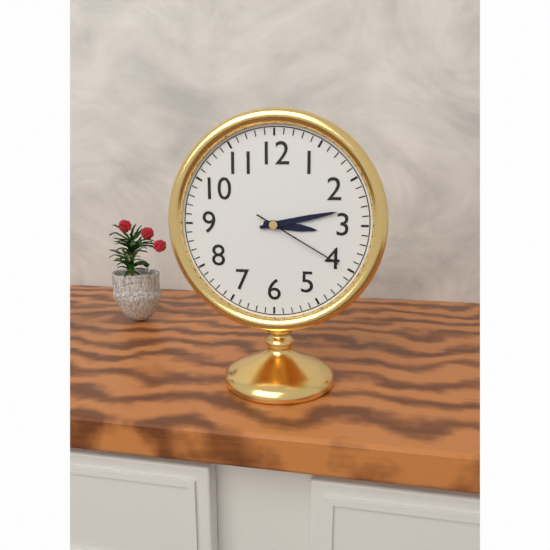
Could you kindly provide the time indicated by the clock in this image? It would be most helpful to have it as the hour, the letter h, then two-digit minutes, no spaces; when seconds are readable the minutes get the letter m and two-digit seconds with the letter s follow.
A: 3h13m20s
